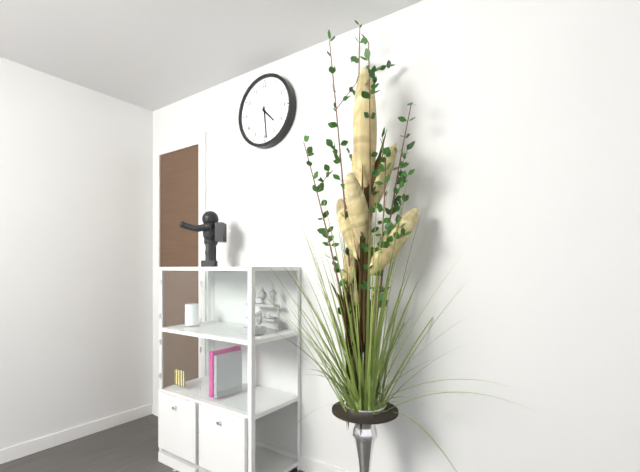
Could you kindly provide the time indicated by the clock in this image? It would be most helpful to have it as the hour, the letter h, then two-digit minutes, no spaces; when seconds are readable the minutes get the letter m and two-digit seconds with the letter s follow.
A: 4h29
